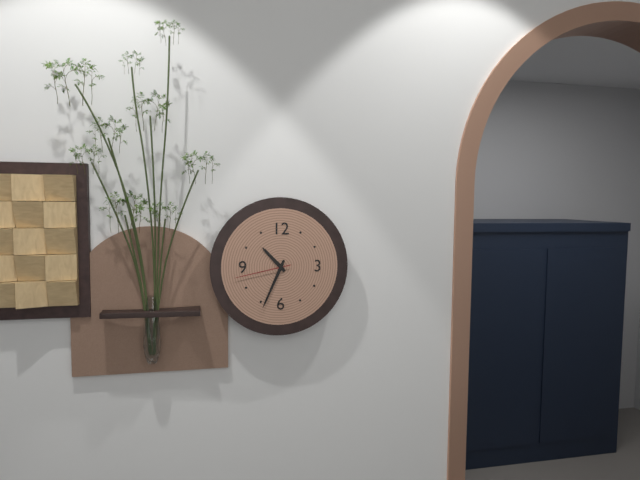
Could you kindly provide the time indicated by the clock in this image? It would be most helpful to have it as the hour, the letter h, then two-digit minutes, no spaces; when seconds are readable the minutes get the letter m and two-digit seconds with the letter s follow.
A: 10h34m43s
